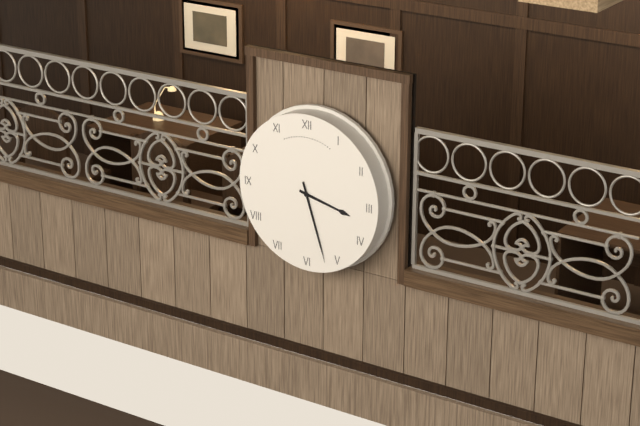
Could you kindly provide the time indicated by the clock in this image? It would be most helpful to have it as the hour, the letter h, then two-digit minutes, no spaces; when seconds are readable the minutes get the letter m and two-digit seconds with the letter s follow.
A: 3h27
